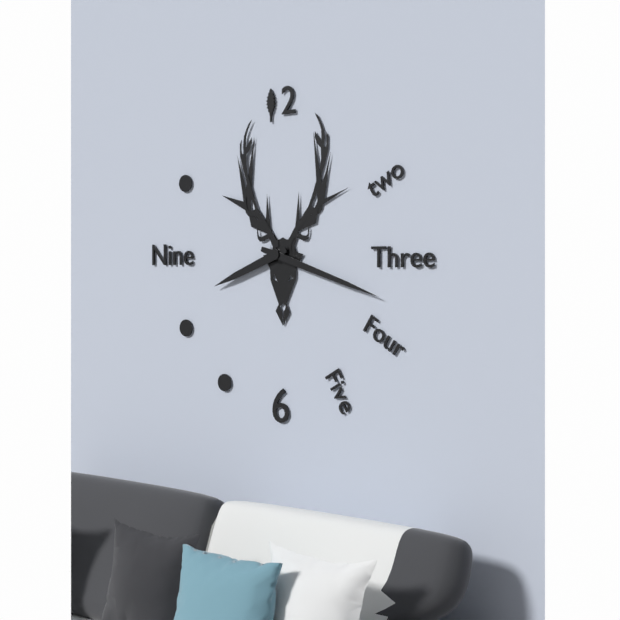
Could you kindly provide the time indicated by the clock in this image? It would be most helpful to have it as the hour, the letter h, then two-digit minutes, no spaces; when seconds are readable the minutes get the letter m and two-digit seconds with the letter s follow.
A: 8h18
